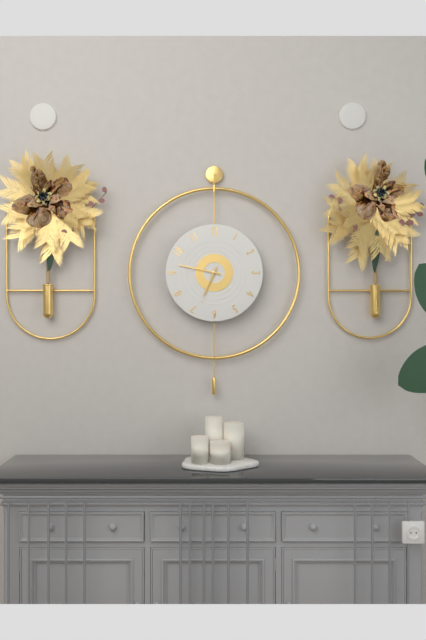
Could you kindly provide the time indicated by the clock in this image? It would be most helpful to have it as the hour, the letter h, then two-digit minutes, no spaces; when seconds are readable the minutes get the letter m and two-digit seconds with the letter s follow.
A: 6h47
